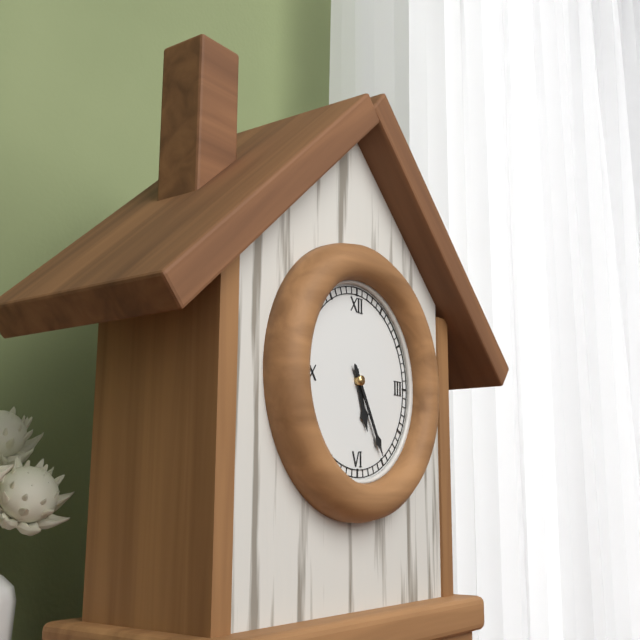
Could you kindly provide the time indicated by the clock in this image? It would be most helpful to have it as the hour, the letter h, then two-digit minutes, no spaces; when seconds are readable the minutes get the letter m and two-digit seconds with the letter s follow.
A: 5h25
